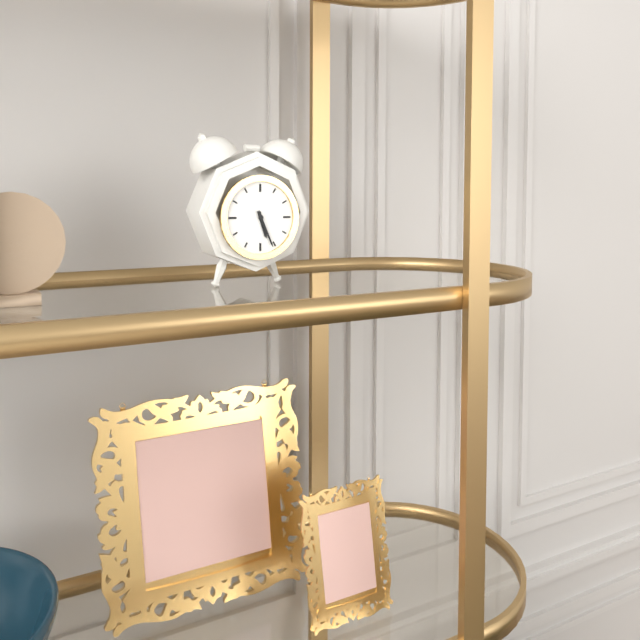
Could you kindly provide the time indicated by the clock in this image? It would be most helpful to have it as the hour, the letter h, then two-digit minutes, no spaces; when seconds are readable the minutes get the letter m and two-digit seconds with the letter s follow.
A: 5h26
